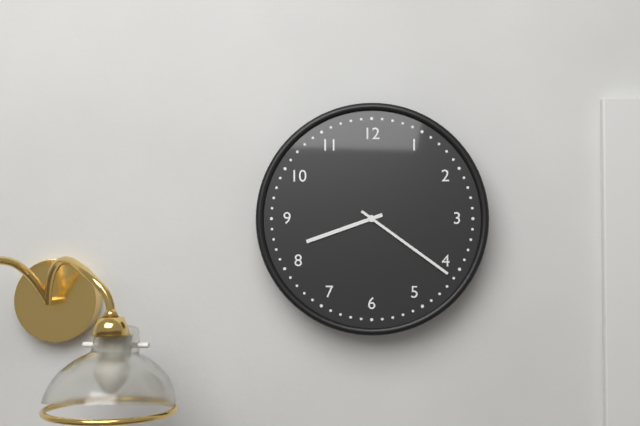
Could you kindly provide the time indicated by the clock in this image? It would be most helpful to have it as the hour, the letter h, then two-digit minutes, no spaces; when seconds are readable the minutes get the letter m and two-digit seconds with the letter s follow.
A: 8h21
